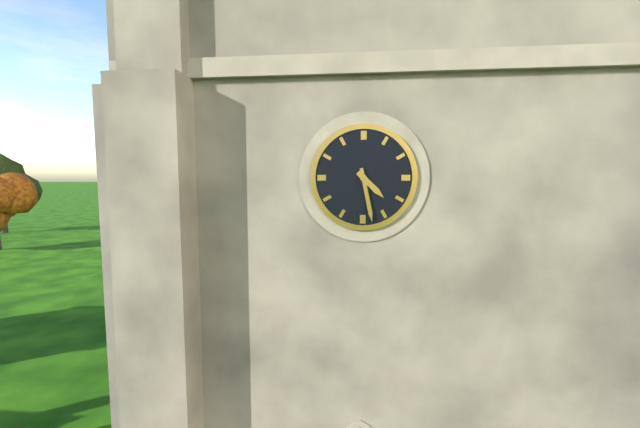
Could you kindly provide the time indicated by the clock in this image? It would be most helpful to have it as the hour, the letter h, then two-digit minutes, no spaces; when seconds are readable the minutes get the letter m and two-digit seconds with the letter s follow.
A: 4h28
